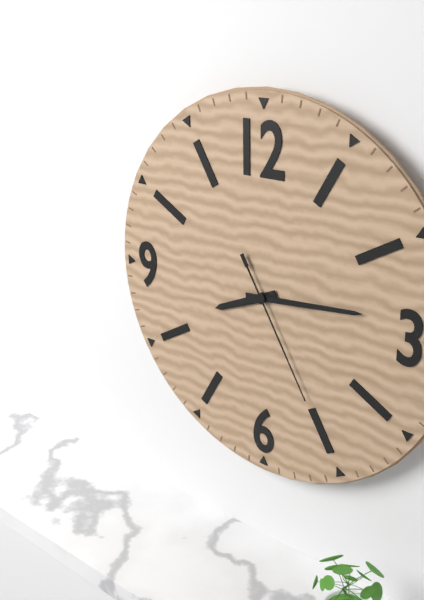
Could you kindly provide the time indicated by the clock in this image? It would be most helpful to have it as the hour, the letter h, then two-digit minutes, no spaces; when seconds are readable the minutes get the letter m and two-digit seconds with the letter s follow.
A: 8h14m25s
